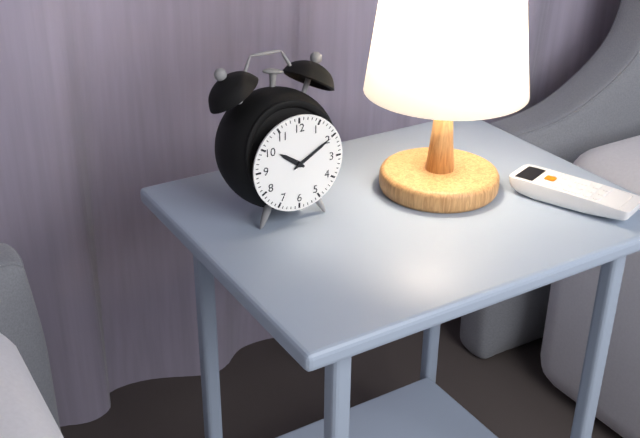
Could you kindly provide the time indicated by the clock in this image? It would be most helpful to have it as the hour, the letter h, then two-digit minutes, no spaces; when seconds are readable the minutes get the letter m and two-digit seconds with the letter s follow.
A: 10h10
